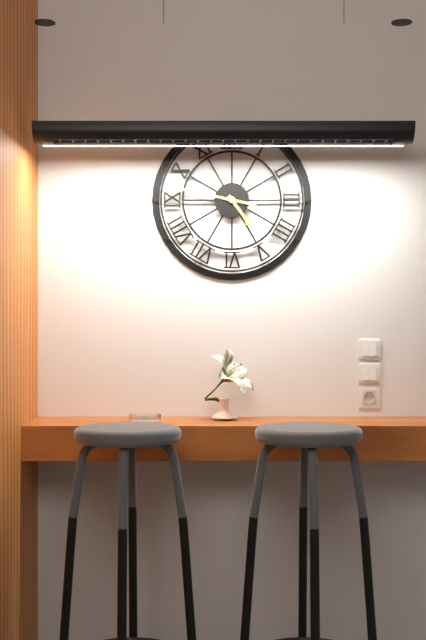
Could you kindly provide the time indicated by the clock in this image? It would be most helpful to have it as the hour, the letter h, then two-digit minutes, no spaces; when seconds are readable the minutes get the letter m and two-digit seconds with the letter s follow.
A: 4h47
